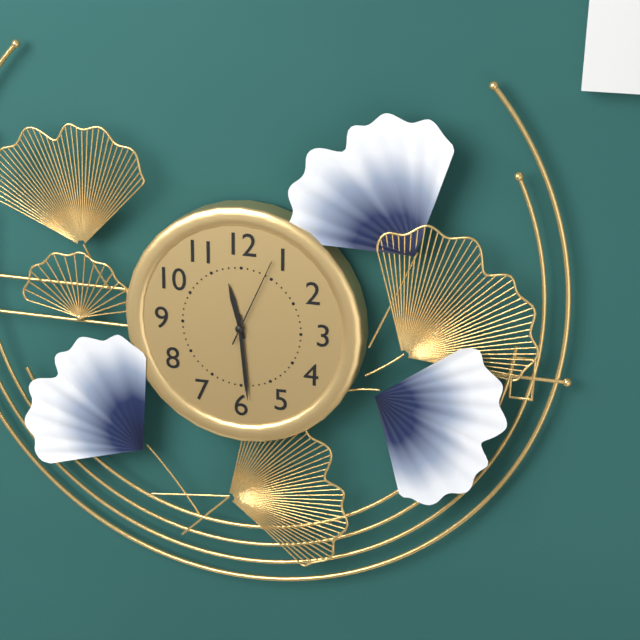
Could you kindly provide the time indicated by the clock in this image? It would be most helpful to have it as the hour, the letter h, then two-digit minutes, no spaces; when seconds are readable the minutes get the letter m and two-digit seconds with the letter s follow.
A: 11h29m04s
